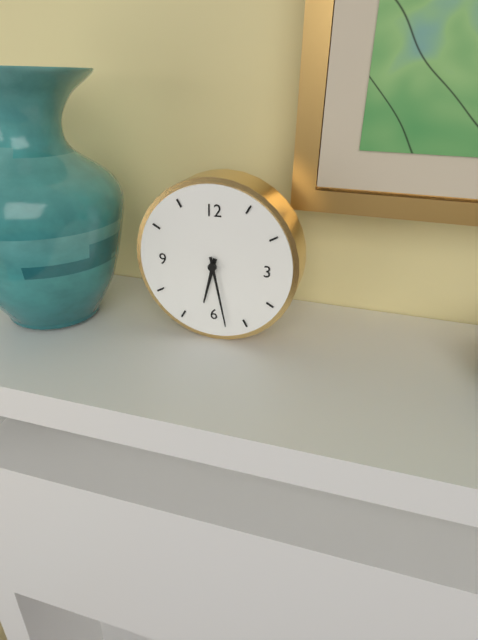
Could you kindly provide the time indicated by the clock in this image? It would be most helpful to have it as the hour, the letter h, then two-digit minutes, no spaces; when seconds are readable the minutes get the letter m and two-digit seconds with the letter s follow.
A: 6h28
